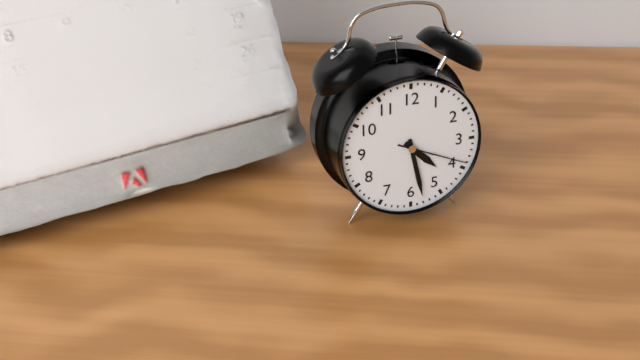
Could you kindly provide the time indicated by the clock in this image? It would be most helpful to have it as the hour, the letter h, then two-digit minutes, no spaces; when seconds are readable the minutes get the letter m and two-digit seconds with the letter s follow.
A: 4h28m19s
